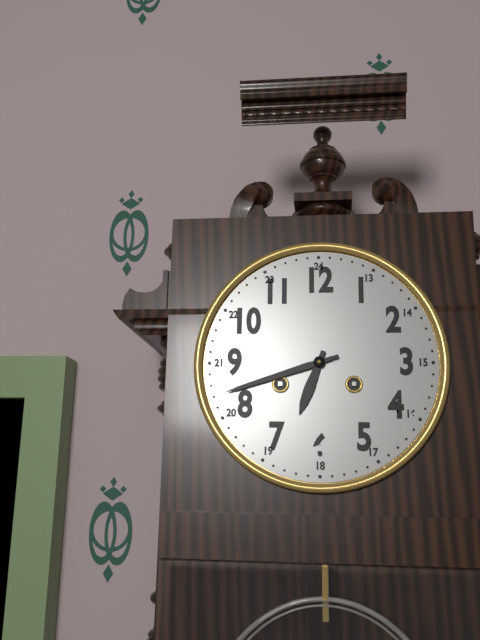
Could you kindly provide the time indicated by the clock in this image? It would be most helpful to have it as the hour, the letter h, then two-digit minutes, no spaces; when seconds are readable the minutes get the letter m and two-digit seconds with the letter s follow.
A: 6h42
